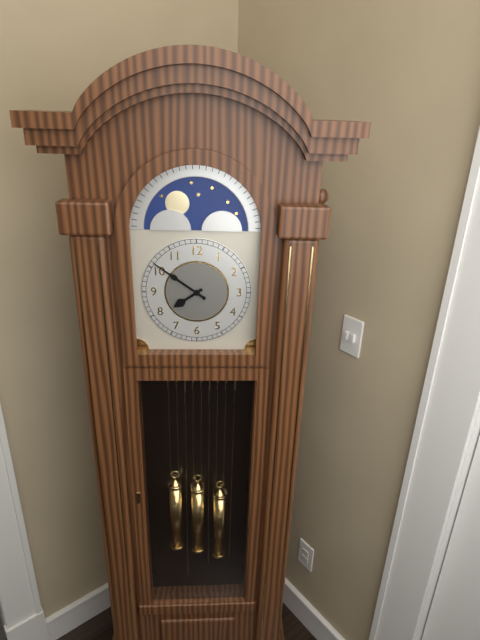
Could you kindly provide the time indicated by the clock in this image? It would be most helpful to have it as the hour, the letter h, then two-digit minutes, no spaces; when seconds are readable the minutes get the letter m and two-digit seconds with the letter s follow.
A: 7h51
